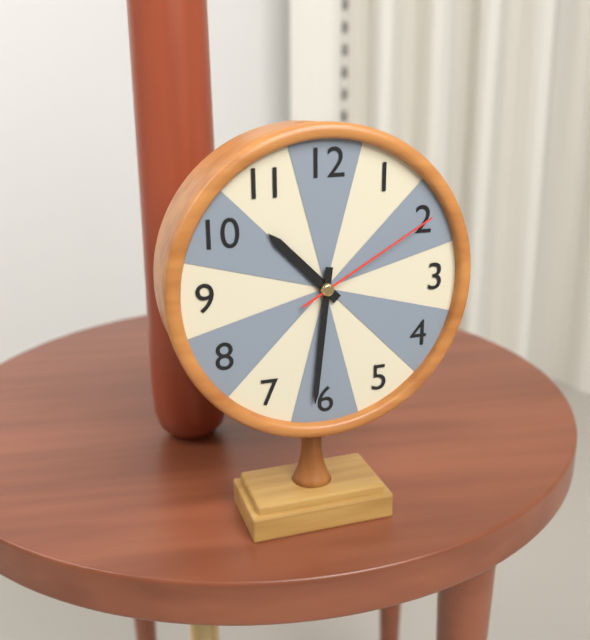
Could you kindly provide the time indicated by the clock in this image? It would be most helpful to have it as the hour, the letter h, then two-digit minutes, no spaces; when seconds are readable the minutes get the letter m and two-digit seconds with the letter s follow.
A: 10h31m10s
